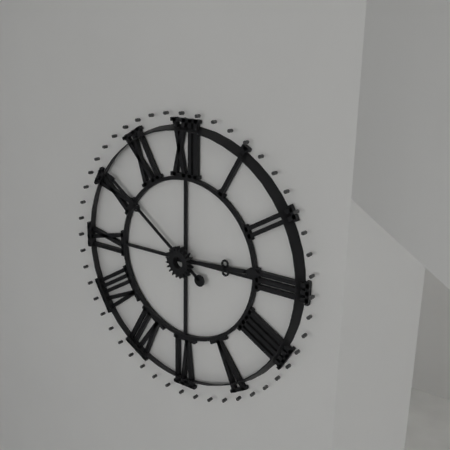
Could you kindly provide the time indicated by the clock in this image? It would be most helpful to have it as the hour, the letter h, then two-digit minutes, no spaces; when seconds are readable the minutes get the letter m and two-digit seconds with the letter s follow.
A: 2h51
